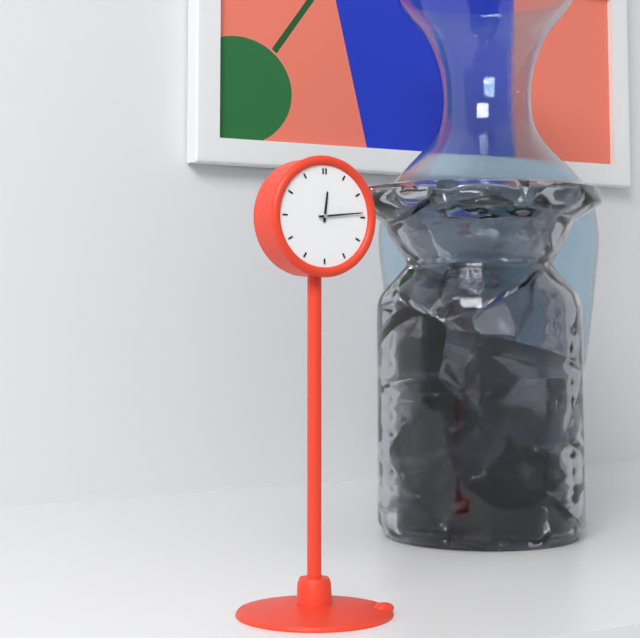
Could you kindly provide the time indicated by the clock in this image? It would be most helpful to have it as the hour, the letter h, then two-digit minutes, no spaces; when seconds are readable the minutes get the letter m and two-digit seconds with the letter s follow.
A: 12h14
